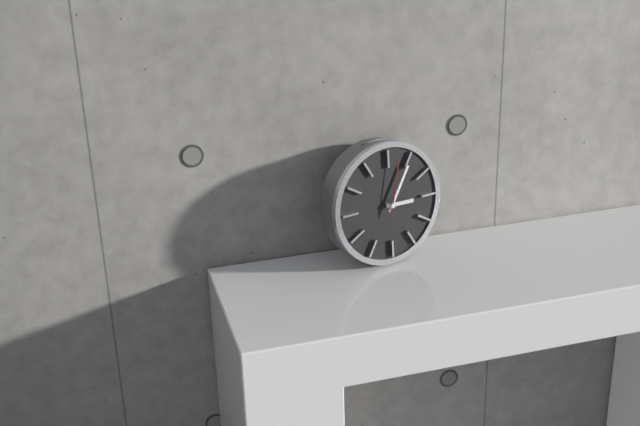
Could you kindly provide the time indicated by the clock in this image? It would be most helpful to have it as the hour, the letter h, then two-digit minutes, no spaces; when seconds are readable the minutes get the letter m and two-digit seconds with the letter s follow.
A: 3h05m02s
